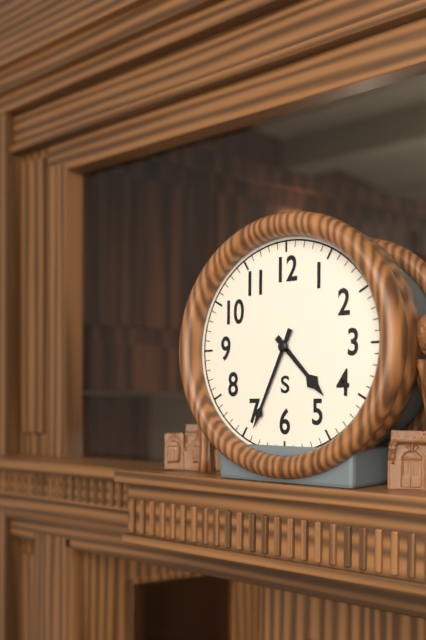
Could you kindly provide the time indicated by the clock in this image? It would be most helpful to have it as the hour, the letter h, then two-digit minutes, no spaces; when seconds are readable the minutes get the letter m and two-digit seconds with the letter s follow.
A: 4h34
